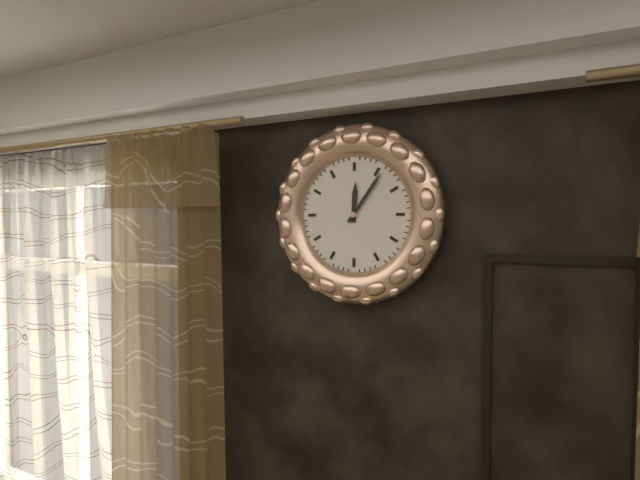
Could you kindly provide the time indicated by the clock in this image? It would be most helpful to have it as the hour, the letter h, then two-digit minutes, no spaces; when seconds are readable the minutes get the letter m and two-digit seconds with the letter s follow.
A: 12h06
